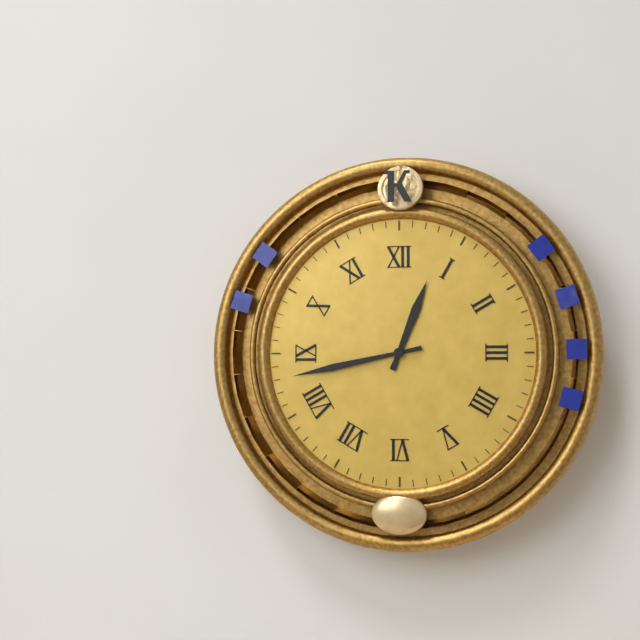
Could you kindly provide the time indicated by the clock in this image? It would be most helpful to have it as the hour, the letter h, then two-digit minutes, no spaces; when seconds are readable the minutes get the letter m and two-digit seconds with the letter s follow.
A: 12h43
